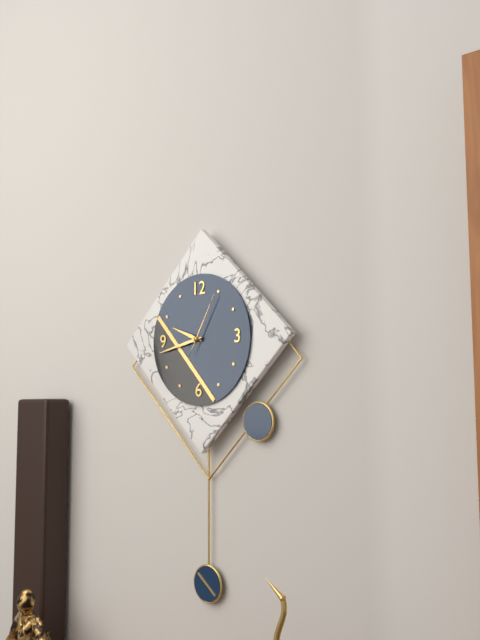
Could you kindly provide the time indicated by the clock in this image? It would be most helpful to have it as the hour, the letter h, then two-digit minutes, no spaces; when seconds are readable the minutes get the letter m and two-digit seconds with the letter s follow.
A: 9h43m05s
